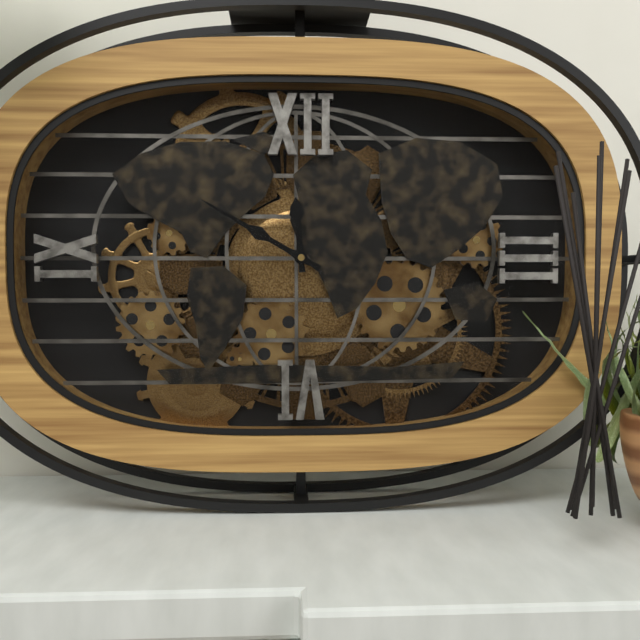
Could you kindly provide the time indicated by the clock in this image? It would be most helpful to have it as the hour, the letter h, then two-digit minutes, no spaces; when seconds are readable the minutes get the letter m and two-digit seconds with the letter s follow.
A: 11h50
